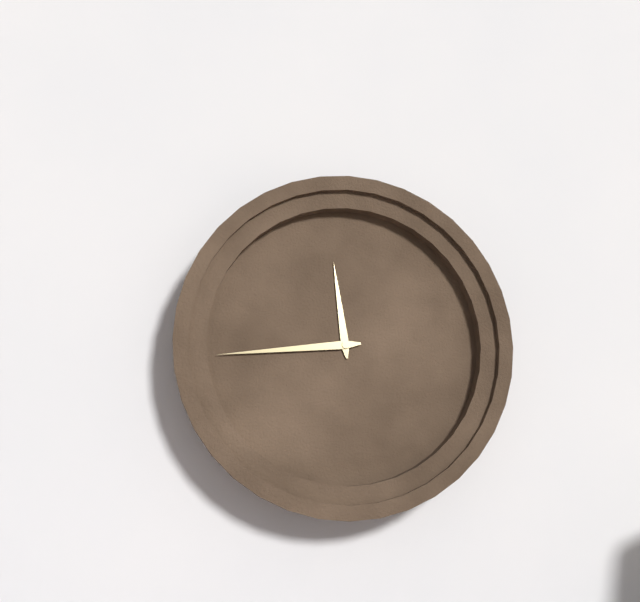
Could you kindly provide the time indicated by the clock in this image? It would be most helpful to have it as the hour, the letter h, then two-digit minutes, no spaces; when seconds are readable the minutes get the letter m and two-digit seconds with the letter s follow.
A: 11h44
